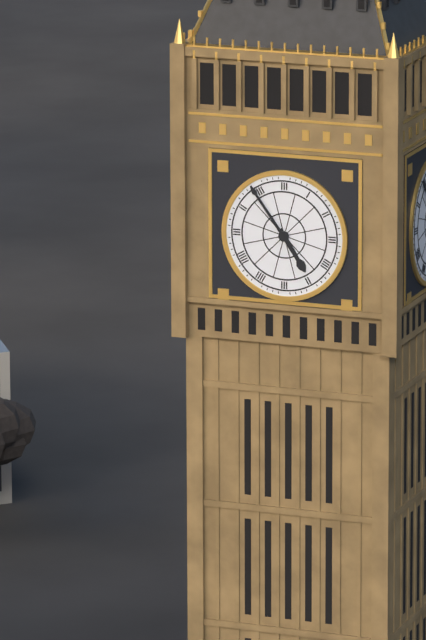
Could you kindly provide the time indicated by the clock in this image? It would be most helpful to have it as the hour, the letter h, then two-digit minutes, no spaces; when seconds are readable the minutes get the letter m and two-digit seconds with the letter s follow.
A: 4h54
